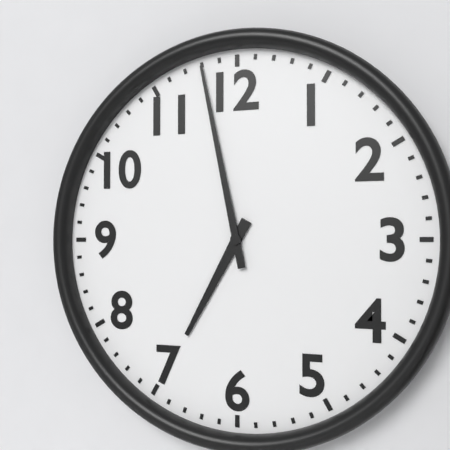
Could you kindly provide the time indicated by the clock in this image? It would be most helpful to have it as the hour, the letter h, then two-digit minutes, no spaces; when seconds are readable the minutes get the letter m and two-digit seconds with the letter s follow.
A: 6h58
